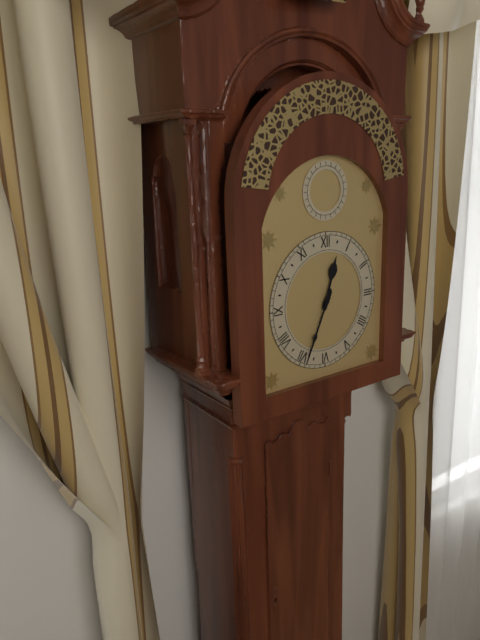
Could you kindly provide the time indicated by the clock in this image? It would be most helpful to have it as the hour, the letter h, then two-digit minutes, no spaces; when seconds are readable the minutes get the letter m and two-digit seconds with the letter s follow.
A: 12h34
